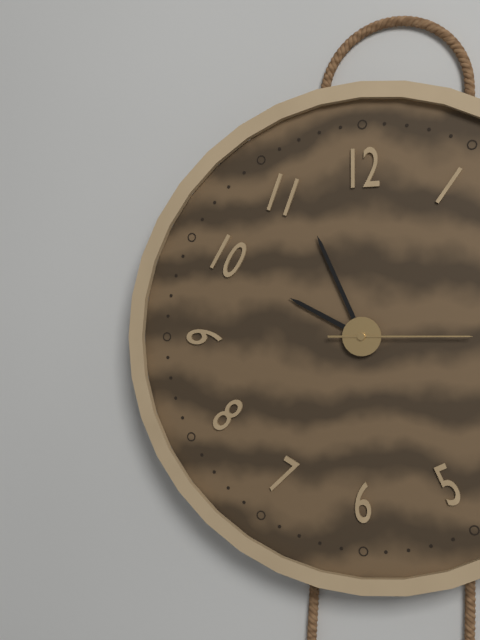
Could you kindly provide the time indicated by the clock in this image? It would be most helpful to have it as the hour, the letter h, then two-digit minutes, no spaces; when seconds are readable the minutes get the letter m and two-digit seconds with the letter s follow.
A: 9h56m15s
